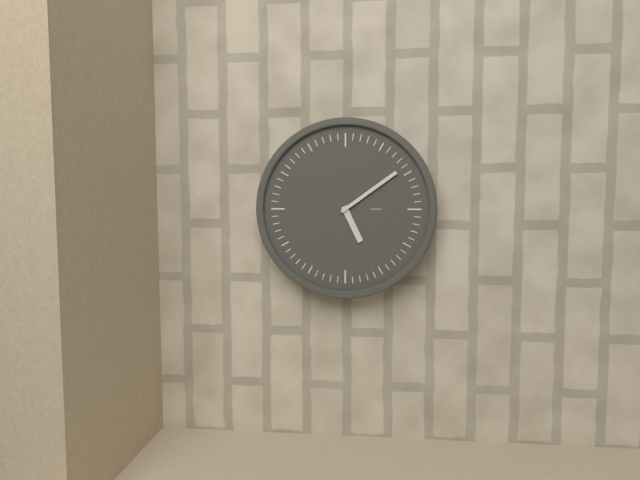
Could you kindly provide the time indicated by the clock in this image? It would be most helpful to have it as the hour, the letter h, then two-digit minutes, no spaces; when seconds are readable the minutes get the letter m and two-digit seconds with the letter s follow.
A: 5h09
